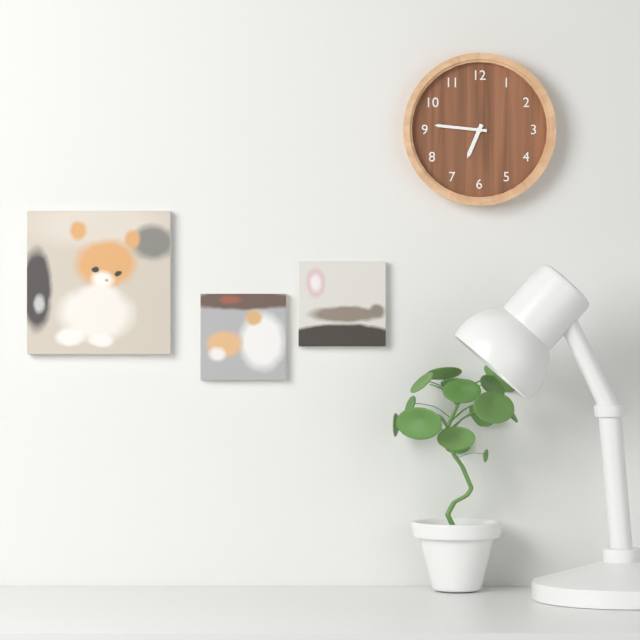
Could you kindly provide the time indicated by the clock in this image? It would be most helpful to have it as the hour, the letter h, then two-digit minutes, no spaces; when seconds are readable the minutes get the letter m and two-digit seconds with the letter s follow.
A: 6h46
